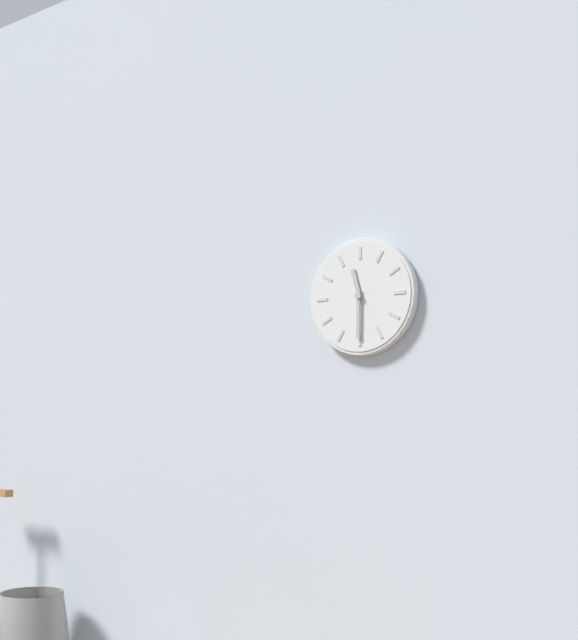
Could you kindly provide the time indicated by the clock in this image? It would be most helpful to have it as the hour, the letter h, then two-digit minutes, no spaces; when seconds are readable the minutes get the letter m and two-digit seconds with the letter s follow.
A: 11h30
